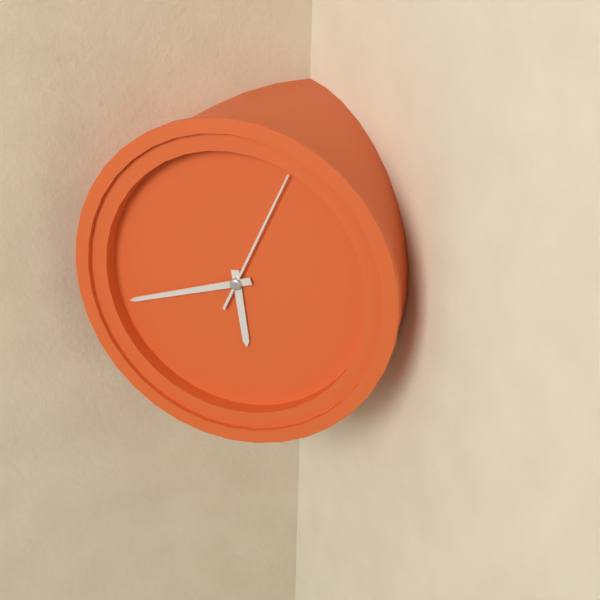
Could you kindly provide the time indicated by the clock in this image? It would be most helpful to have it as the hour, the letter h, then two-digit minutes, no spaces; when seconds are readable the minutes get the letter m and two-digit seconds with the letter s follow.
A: 5h42m04s
